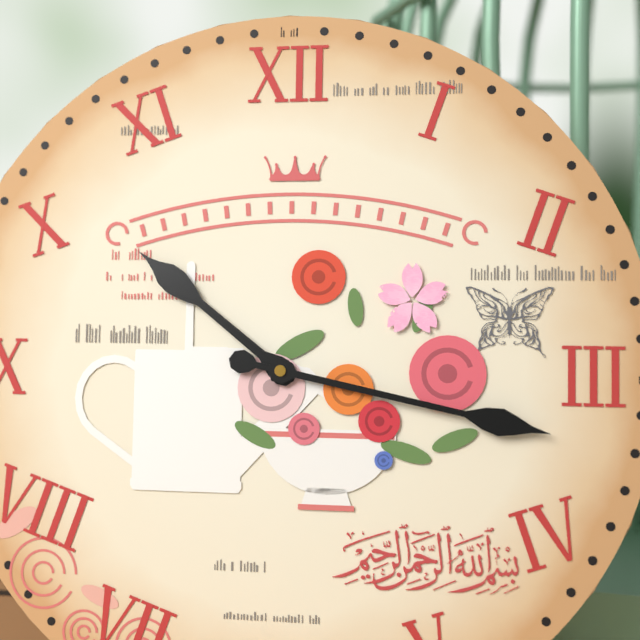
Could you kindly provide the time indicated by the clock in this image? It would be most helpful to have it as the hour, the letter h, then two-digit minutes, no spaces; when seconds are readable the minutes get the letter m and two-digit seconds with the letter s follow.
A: 10h17
